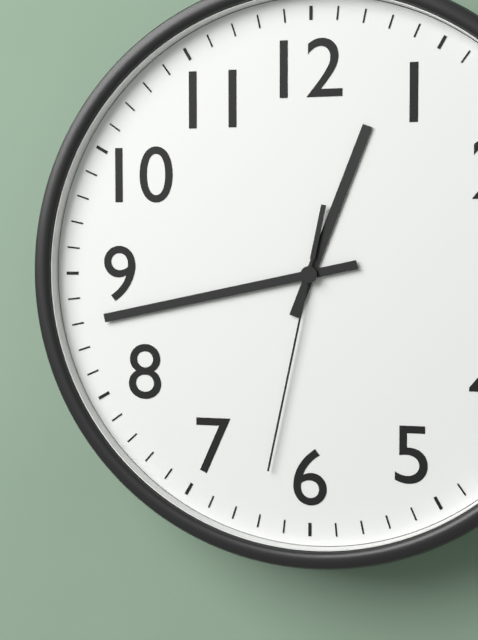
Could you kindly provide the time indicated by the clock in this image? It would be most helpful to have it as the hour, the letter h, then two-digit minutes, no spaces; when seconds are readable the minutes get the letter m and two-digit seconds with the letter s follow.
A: 12h43m32s
